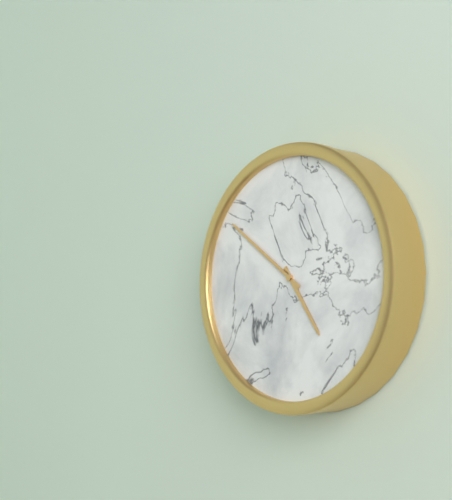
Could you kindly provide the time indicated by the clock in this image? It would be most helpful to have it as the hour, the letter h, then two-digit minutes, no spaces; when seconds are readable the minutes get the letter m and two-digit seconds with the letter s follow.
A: 4h51
